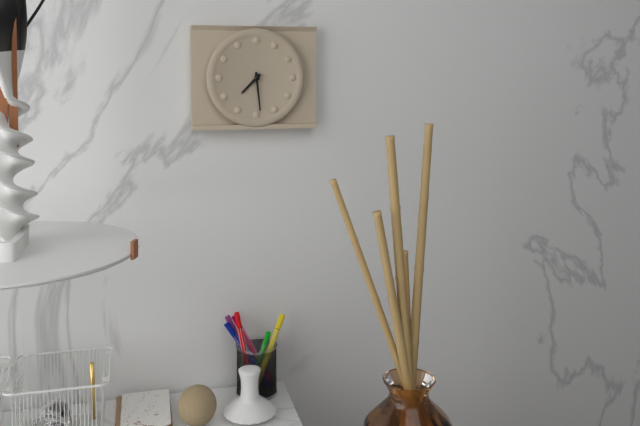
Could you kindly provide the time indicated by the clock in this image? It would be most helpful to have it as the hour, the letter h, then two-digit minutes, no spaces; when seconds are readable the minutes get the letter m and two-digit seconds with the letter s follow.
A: 7h29
